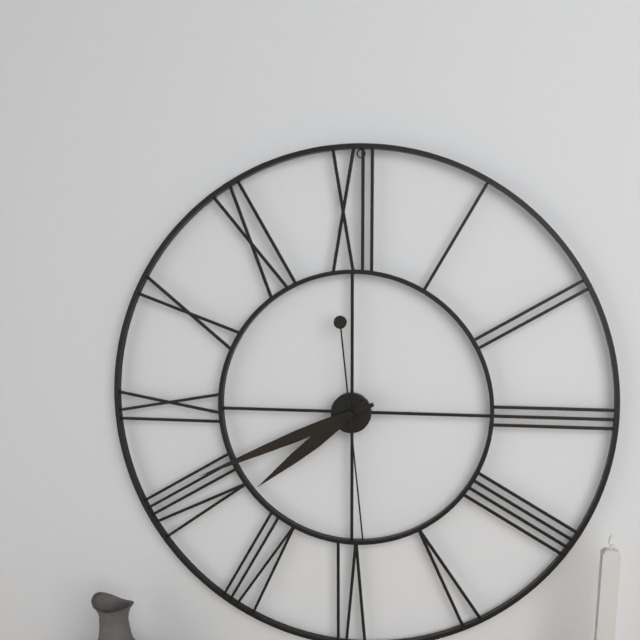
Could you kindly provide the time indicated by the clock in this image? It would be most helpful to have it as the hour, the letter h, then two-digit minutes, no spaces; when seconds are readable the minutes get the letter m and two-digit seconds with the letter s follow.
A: 7h41m29s
